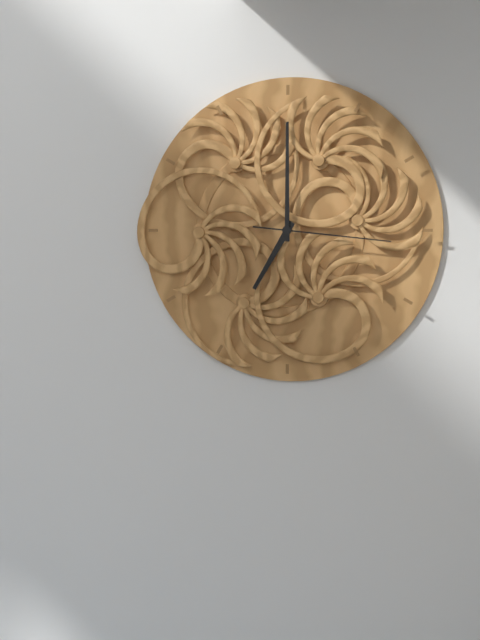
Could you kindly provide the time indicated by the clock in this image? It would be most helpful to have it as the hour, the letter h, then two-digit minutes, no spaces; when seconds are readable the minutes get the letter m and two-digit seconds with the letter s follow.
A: 7h00m16s
